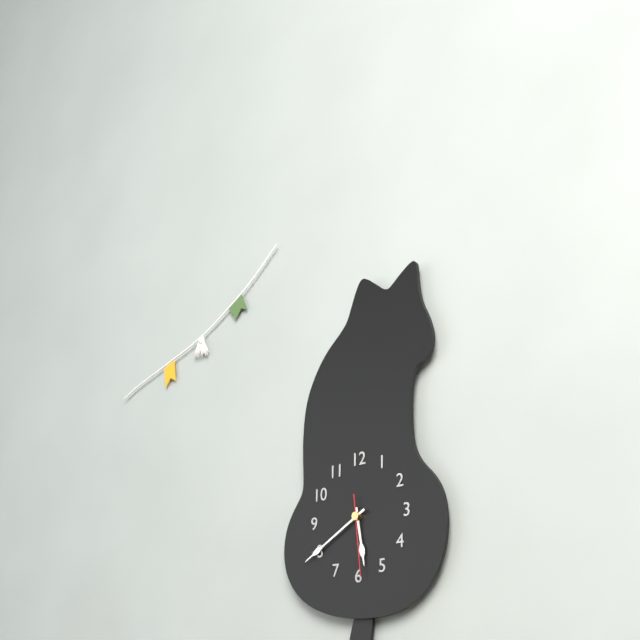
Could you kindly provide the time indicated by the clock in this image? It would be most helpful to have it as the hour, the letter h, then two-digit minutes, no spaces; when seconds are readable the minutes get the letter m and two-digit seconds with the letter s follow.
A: 5h40m29s
